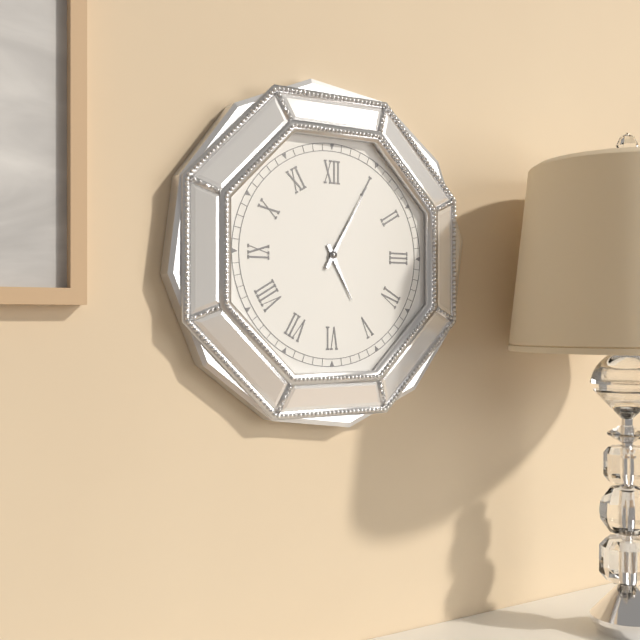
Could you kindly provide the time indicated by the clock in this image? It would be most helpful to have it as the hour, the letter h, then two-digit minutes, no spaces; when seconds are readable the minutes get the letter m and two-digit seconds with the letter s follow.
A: 5h05
